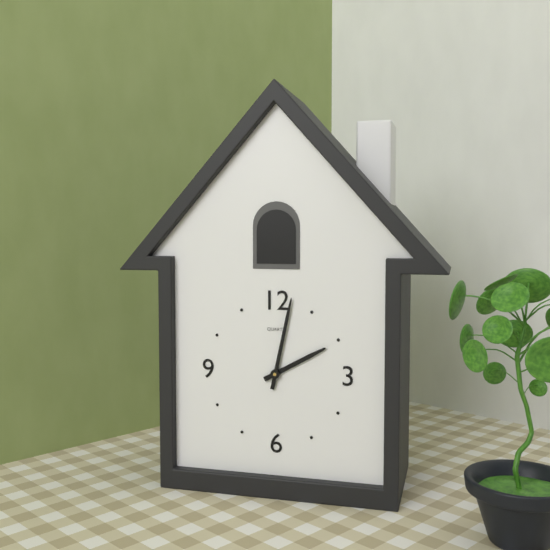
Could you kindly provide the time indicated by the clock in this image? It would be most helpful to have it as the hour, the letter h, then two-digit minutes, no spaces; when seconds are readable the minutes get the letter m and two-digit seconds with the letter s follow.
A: 2h02
